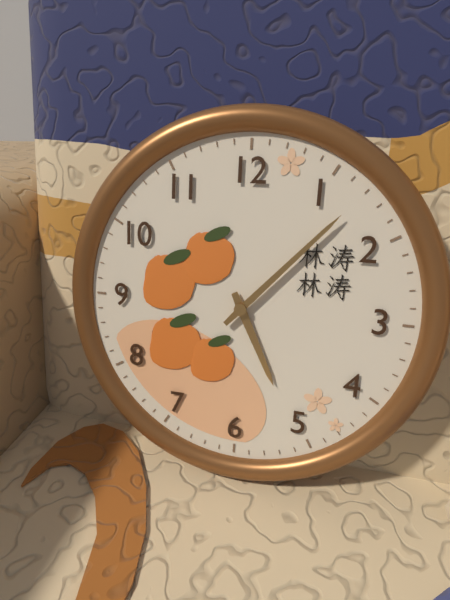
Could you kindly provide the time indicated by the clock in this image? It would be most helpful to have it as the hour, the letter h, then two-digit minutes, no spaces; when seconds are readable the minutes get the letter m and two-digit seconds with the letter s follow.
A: 5h07
